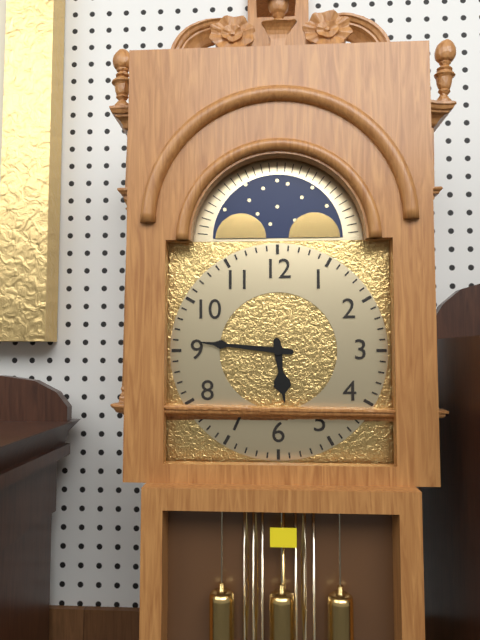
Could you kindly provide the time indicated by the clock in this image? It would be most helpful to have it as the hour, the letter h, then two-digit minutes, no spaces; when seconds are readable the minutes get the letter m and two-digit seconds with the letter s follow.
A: 5h46
